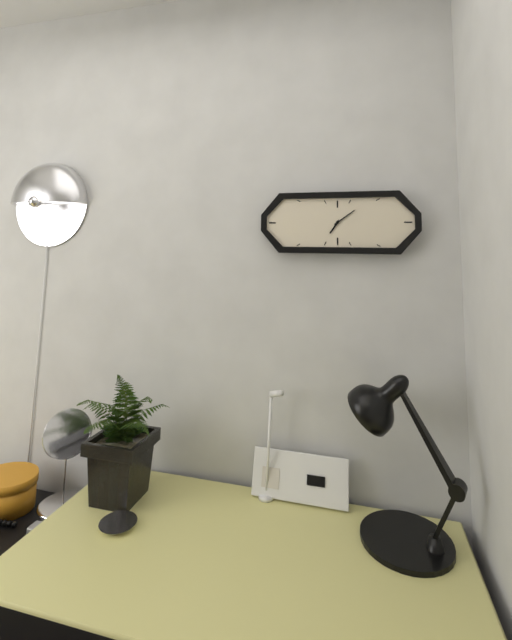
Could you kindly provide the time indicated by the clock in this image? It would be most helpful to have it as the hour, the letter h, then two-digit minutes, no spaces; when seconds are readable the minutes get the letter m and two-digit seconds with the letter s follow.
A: 7h09
